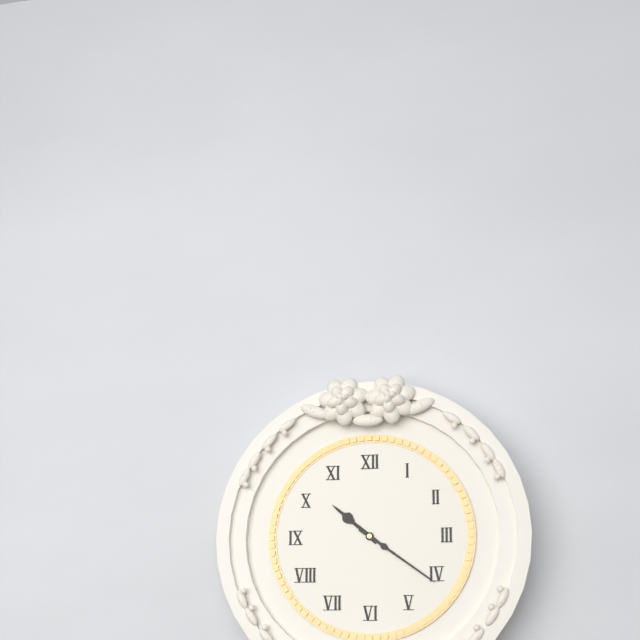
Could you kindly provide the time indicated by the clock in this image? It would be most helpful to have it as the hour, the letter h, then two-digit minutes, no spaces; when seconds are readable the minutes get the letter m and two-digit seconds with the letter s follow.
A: 10h21
